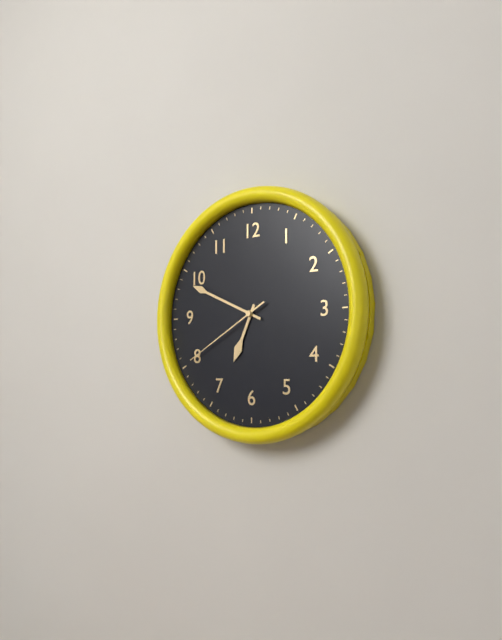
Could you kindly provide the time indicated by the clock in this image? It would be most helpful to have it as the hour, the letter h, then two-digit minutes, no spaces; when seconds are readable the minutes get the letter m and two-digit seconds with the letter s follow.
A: 6h49m40s
